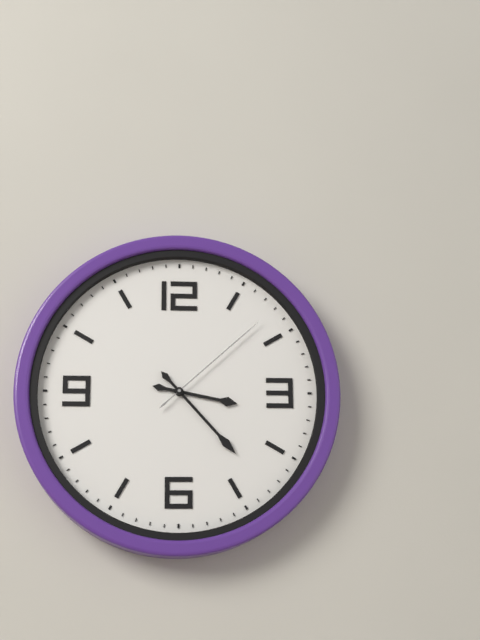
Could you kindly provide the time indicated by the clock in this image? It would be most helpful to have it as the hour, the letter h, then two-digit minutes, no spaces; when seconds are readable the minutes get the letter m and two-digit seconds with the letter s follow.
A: 3h23m08s
